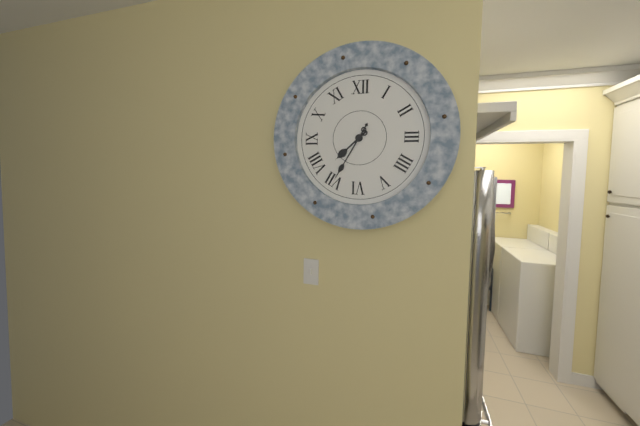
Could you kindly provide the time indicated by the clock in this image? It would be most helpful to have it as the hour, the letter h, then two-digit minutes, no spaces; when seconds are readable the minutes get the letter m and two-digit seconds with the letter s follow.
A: 7h35
